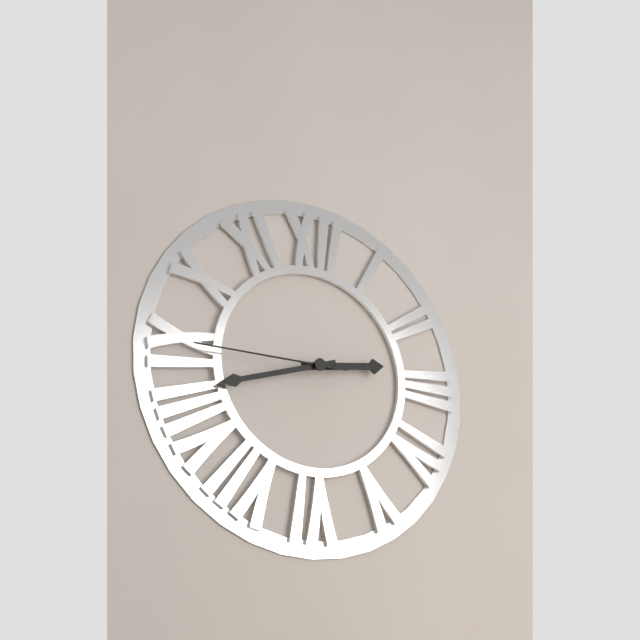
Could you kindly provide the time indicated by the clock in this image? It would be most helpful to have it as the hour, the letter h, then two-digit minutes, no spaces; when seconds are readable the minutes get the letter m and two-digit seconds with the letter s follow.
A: 2h42m45s
